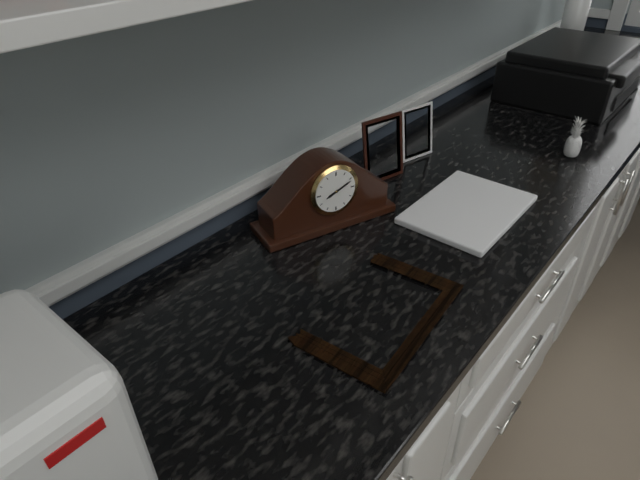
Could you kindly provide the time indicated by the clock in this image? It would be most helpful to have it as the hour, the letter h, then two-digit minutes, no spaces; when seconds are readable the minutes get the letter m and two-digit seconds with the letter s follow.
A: 8h11
